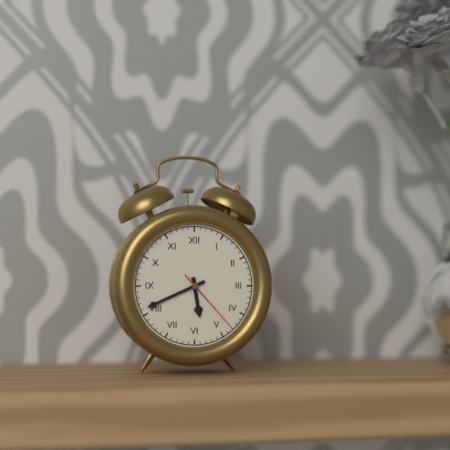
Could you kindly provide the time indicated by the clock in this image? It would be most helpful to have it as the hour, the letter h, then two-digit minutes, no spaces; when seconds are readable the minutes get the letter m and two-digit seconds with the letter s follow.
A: 5h41m23s
